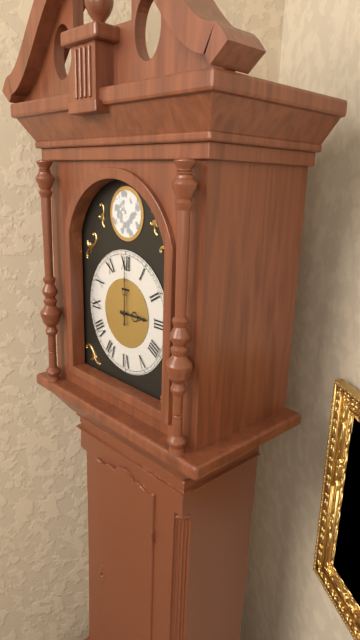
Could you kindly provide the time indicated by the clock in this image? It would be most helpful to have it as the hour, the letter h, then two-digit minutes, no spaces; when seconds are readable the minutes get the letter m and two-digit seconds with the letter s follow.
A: 3h00
